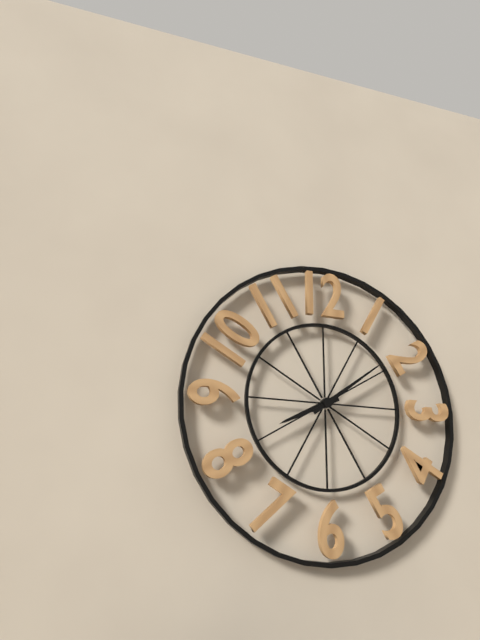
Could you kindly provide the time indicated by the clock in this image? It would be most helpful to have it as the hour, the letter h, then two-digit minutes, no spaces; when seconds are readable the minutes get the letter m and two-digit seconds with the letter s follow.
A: 8h09
